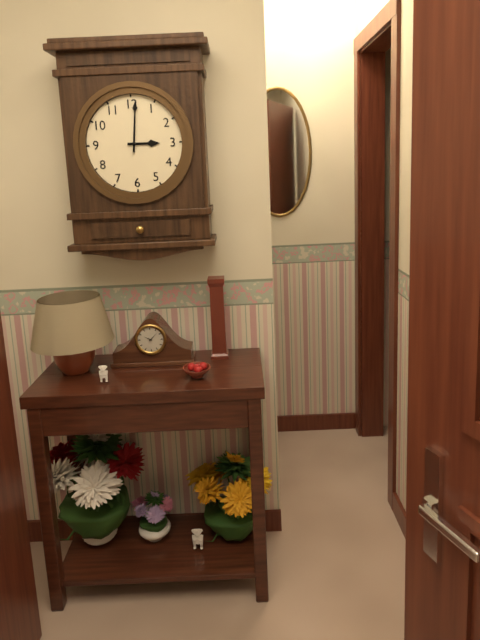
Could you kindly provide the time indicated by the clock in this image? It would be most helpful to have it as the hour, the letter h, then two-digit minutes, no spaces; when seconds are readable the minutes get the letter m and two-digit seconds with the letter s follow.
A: 3h01
